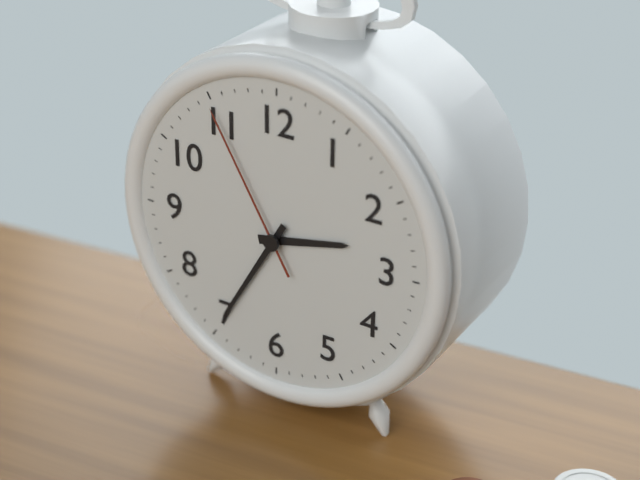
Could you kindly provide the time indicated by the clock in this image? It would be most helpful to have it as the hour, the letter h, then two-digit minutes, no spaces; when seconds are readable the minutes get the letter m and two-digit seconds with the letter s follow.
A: 2h35m55s
